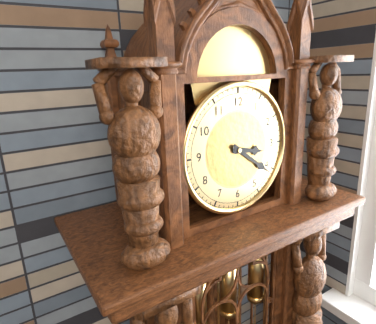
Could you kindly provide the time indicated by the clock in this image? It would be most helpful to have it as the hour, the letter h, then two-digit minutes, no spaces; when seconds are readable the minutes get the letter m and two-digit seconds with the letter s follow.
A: 3h21
